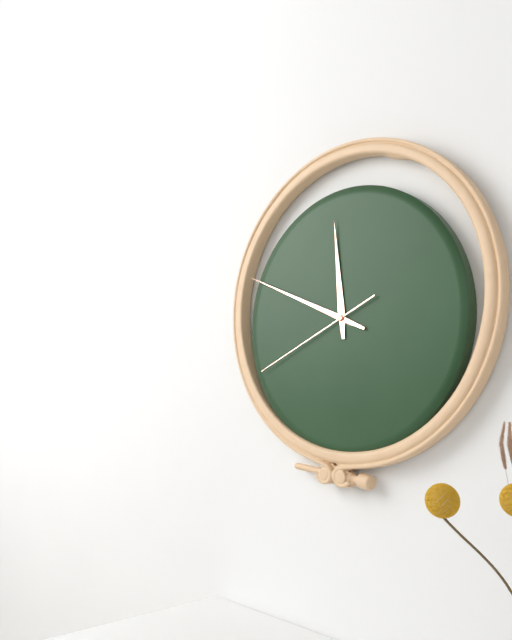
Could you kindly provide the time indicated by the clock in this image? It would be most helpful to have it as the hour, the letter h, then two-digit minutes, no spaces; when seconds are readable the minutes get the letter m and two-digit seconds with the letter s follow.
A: 11h49m41s
